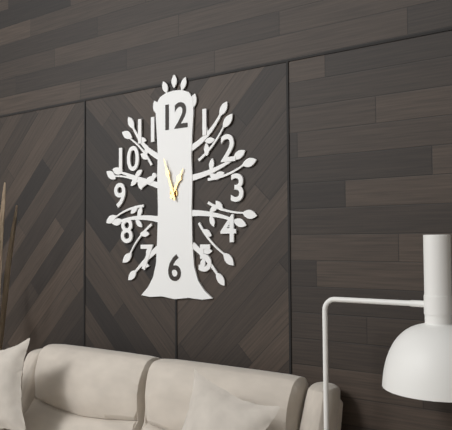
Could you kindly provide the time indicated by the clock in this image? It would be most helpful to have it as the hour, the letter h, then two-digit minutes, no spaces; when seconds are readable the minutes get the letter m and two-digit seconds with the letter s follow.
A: 12h57
